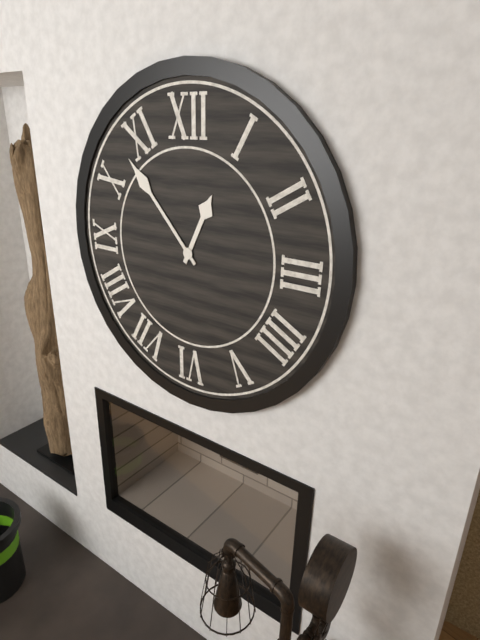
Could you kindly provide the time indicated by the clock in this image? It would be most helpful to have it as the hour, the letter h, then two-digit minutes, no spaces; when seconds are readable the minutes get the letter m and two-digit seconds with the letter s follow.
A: 12h53
